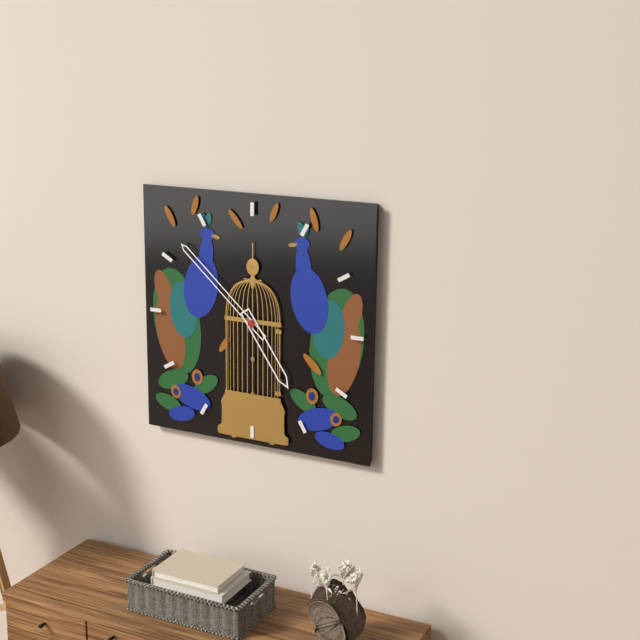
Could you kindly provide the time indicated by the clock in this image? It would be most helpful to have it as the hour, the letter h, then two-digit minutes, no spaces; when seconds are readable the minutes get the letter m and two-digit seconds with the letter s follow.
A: 4h52
